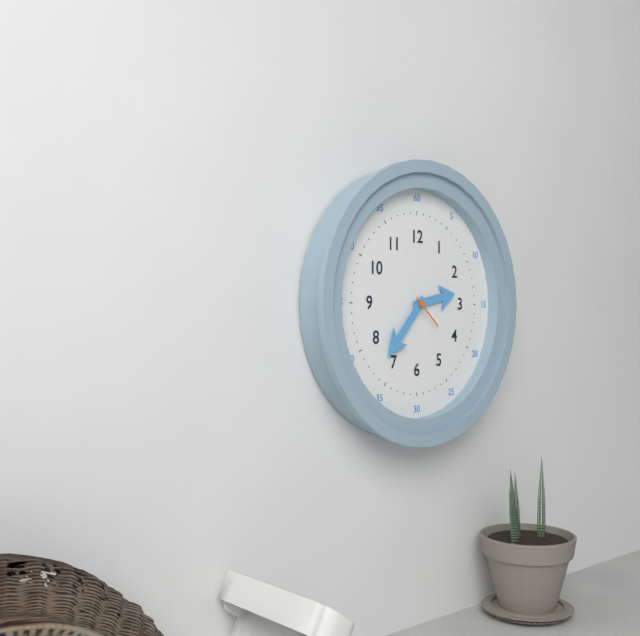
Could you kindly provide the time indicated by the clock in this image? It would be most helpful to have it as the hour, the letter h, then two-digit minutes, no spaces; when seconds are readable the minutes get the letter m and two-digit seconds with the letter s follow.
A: 2h37m22s
